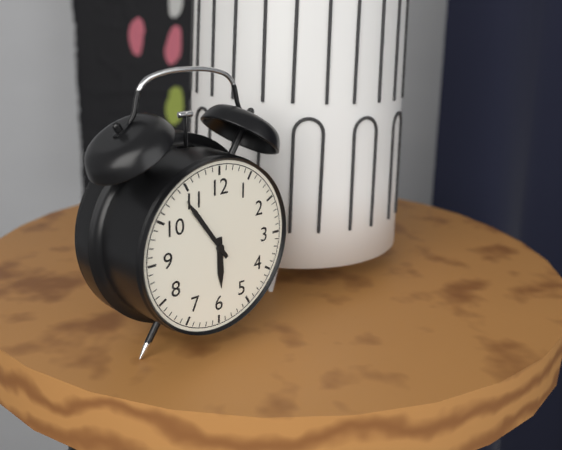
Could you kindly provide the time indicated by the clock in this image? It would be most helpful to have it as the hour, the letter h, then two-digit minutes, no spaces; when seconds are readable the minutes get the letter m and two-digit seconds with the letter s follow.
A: 5h54
